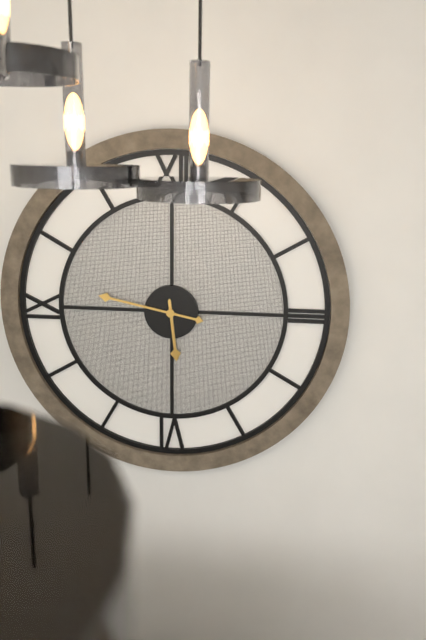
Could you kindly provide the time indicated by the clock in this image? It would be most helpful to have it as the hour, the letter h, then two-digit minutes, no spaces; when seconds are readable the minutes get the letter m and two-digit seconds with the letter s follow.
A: 5h47
